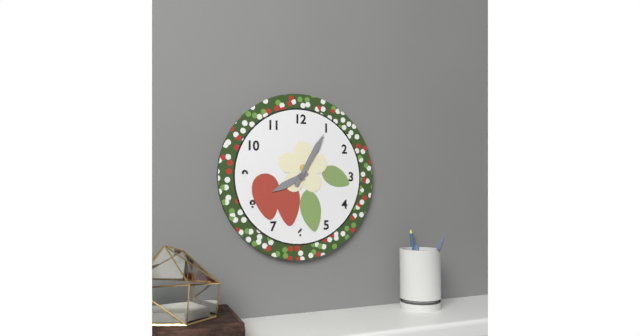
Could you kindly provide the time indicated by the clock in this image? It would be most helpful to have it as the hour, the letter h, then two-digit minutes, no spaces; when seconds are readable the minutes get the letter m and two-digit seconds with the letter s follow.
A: 8h05
